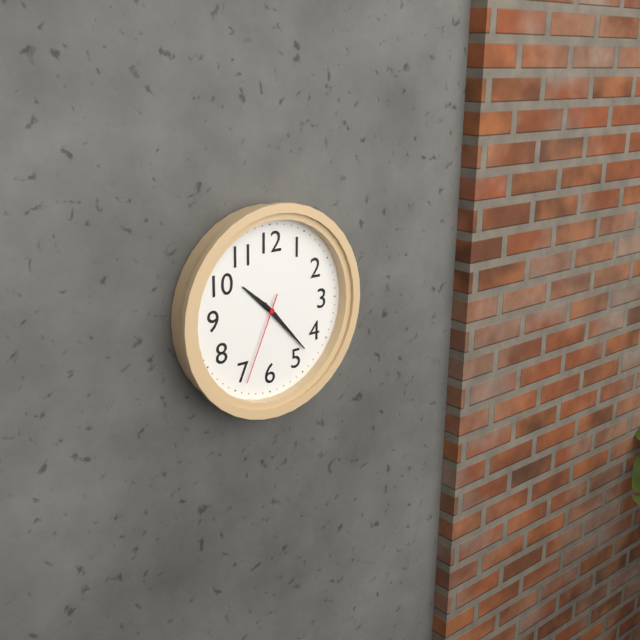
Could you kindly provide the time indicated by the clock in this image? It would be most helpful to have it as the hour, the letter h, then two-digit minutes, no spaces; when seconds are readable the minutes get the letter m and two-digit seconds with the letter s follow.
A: 10h23m34s
